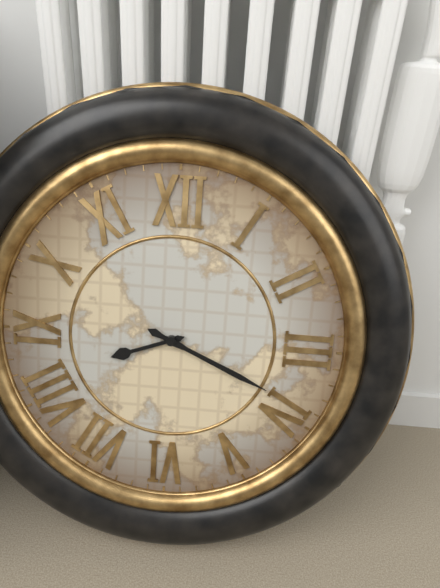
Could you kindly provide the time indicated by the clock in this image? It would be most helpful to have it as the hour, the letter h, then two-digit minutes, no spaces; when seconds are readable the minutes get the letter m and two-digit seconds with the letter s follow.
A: 8h19
